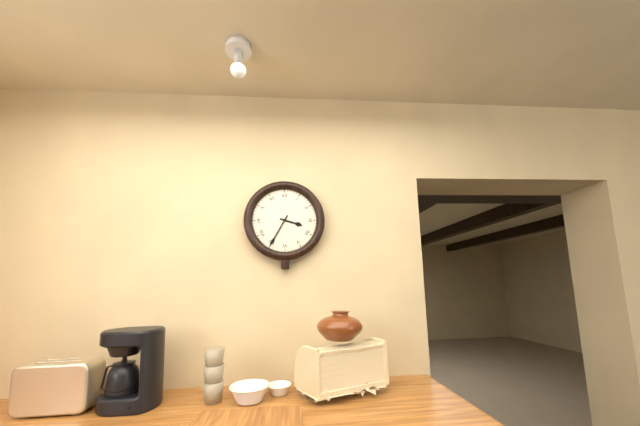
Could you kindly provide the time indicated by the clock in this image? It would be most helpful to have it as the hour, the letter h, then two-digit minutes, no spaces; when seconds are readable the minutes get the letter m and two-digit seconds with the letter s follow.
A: 3h35
